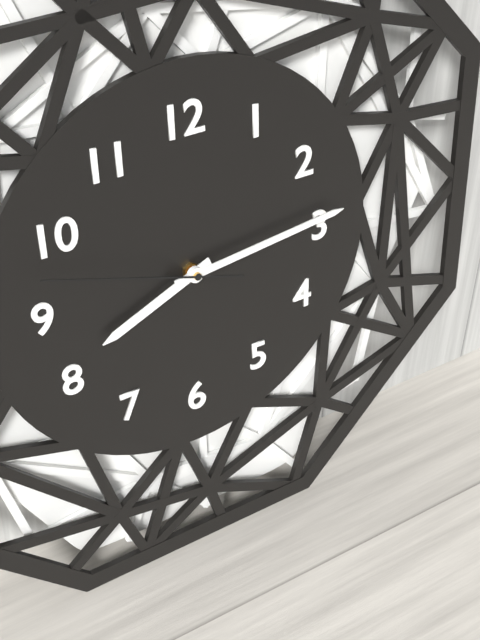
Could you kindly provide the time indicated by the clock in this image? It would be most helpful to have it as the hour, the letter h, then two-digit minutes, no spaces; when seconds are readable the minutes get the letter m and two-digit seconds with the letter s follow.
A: 8h14m48s
